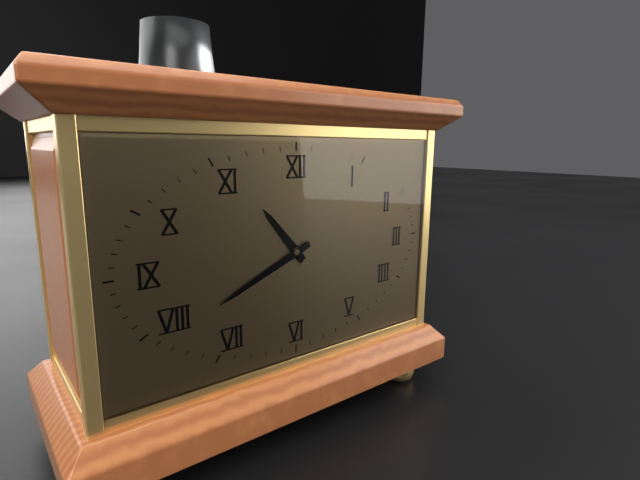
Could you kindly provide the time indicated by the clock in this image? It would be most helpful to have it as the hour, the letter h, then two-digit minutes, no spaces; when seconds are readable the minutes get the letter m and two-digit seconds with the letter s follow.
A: 10h41
